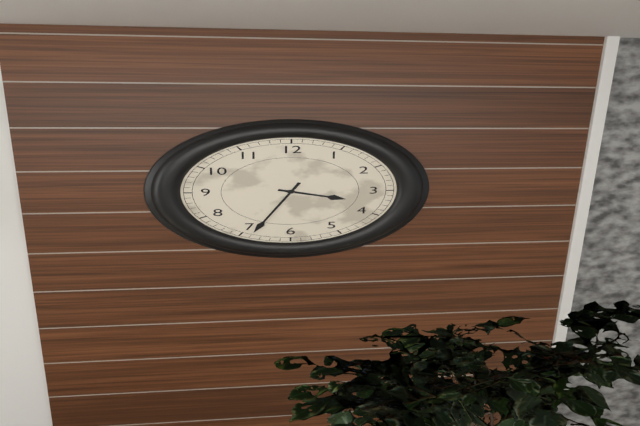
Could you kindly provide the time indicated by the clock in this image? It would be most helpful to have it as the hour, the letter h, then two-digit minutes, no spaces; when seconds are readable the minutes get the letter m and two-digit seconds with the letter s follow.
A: 3h34
